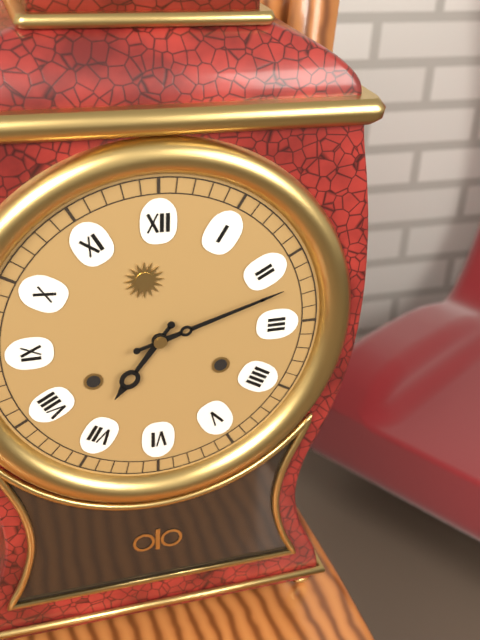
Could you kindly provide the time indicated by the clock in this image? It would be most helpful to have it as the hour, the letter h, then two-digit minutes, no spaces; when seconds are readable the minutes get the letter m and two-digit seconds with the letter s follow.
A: 7h12
